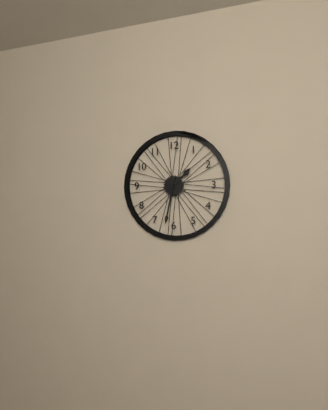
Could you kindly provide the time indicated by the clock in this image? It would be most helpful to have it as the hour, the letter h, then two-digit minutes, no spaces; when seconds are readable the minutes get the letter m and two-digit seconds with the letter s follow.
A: 1h32
